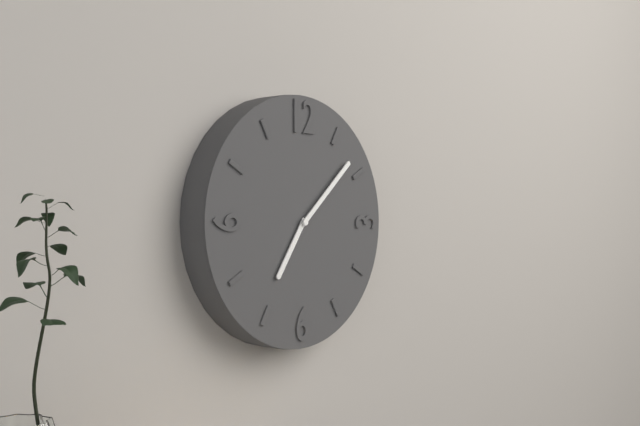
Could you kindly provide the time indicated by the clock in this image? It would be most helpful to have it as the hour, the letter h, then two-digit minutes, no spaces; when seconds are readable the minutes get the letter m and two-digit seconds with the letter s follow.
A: 7h08
